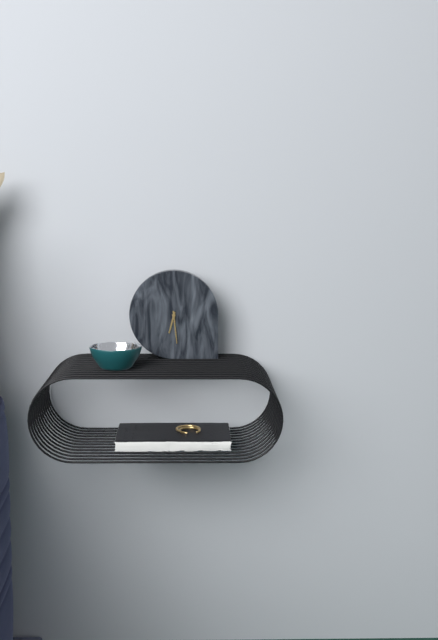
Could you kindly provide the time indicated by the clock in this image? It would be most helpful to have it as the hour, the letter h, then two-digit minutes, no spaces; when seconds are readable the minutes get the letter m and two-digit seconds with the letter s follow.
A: 6h29
